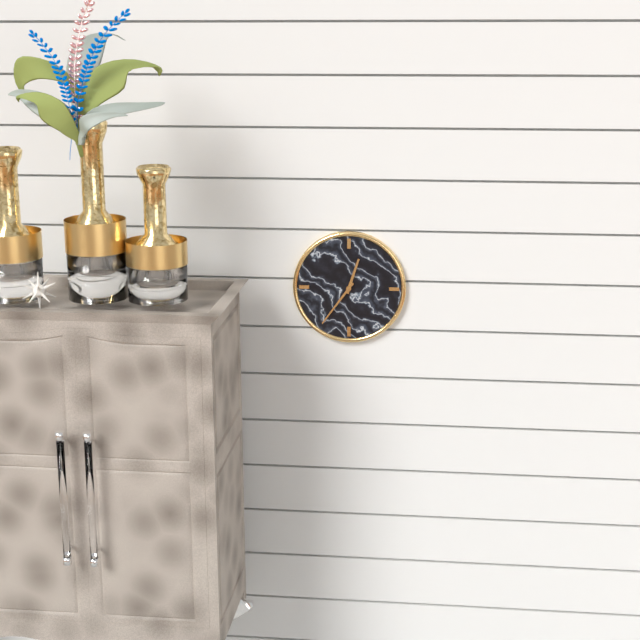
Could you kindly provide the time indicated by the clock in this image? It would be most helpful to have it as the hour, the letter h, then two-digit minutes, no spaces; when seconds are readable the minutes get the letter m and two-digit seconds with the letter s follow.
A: 12h36
